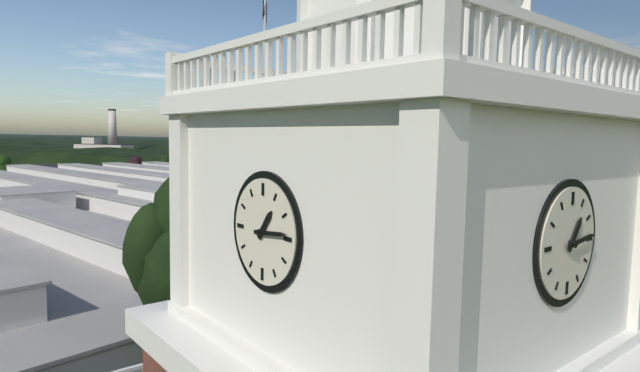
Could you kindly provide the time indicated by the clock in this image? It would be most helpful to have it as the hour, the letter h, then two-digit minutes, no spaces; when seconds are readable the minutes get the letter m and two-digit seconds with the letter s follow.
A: 1h14
